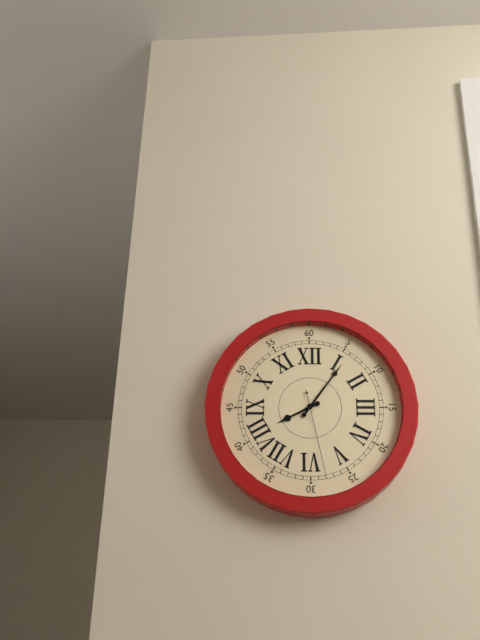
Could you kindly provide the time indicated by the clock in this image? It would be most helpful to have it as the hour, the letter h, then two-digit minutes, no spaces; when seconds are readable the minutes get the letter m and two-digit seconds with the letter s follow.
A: 8h06m28s
